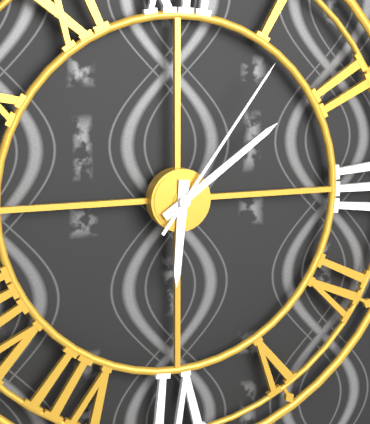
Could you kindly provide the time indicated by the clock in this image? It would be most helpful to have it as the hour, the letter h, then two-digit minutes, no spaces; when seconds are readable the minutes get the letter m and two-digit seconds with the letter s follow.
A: 6h09m06s
